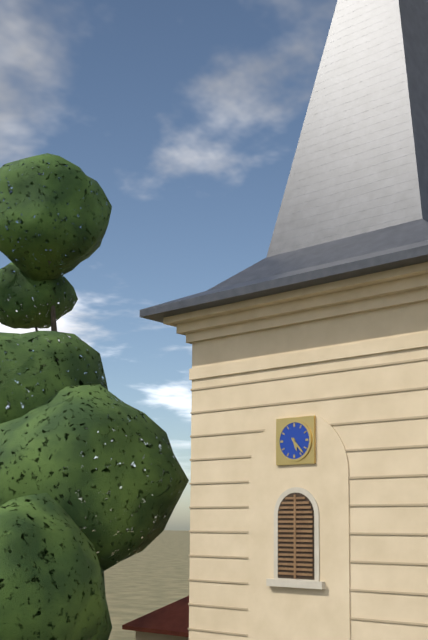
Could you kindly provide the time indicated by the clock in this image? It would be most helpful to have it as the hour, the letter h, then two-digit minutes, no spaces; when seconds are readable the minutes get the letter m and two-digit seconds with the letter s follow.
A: 5h23
